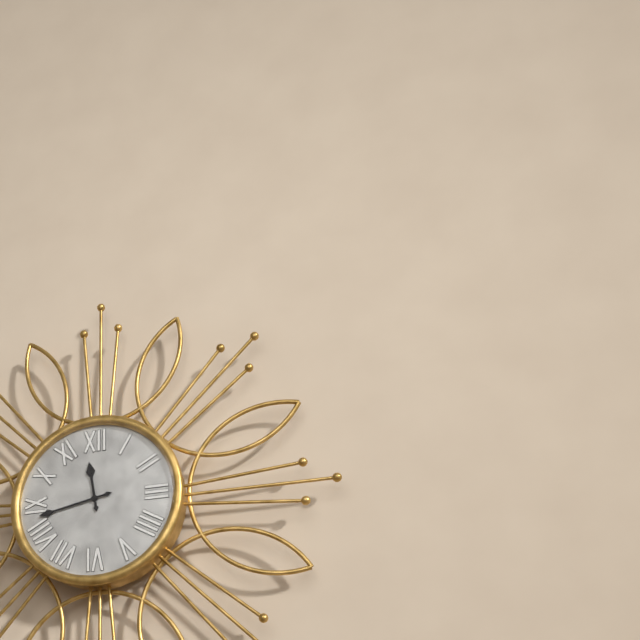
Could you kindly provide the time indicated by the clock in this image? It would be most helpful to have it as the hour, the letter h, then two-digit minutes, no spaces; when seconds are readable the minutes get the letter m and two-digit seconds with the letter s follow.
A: 11h43
